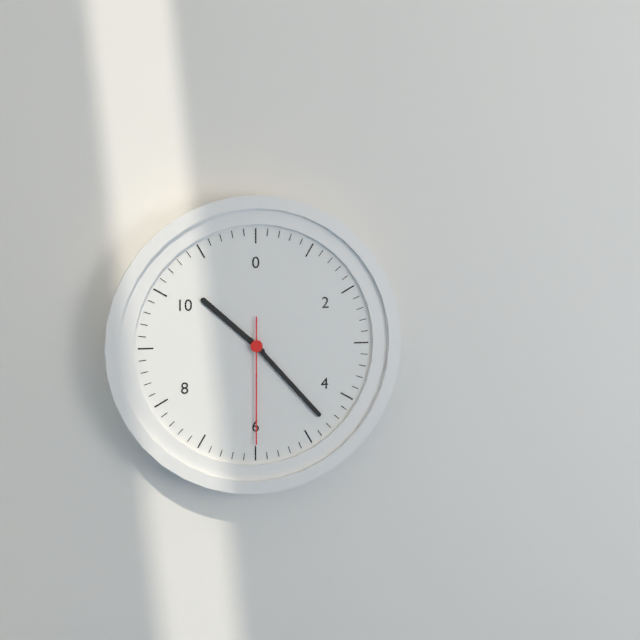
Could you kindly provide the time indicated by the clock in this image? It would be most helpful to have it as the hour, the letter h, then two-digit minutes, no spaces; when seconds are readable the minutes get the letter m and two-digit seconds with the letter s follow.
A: 10h23m30s
